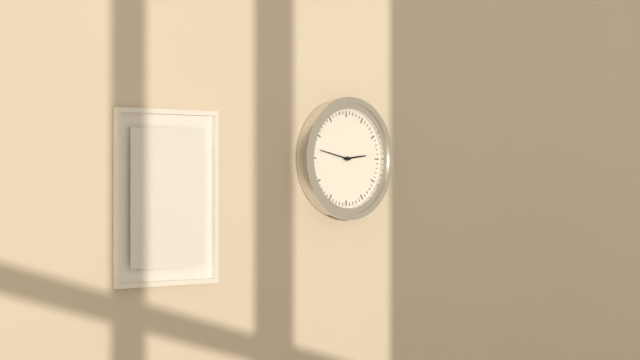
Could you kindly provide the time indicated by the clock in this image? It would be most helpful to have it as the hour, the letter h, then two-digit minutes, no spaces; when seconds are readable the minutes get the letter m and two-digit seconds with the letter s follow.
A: 2h47
